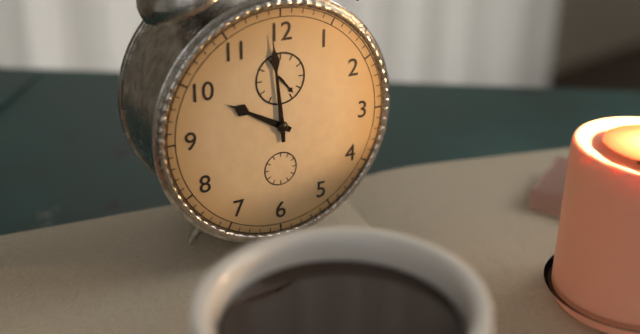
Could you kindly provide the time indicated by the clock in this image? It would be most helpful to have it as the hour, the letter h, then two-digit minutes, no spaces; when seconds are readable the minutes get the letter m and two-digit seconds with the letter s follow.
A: 9h59
